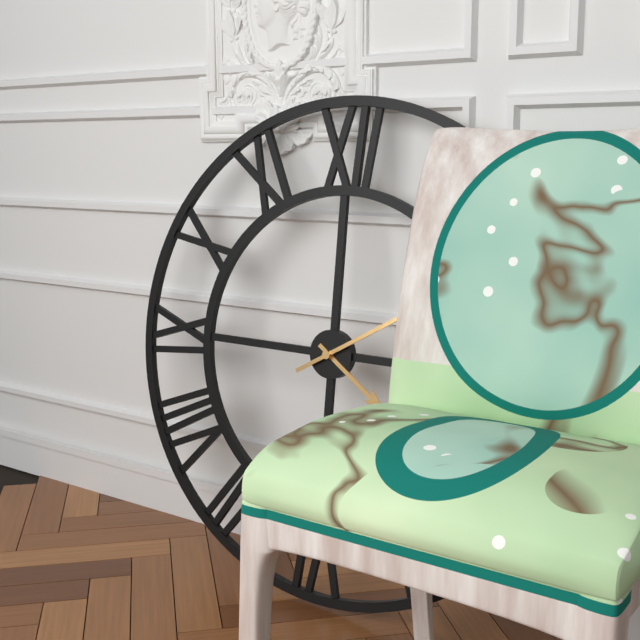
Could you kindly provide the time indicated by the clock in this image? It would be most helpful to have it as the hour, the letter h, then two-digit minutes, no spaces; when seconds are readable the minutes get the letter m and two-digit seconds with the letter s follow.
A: 4h10
